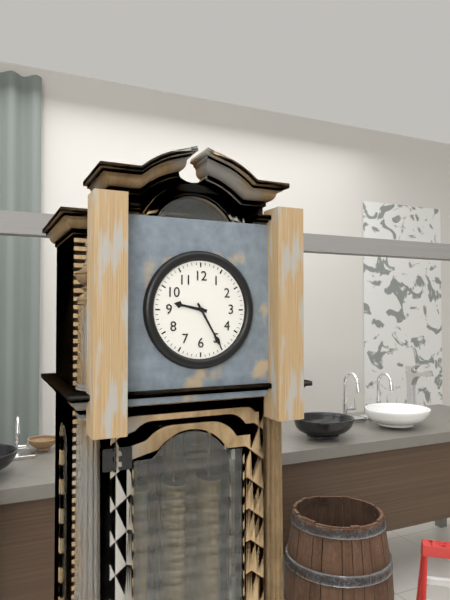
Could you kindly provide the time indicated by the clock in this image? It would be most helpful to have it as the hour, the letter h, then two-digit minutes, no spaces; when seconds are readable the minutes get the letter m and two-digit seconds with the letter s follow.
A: 9h25
